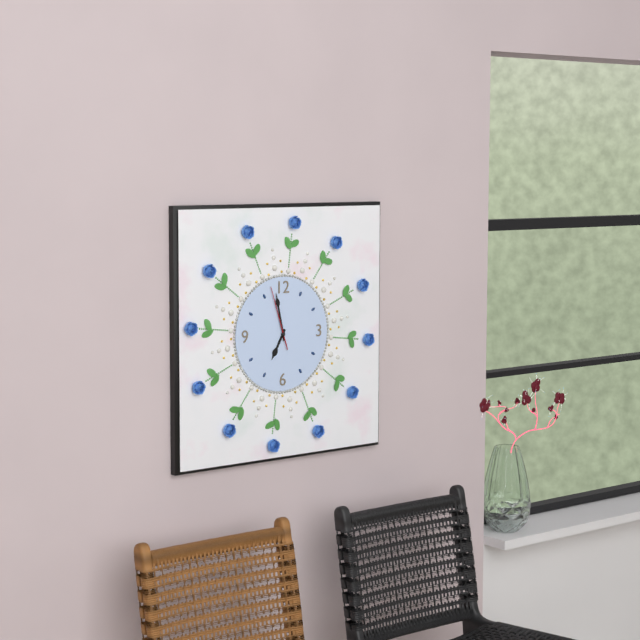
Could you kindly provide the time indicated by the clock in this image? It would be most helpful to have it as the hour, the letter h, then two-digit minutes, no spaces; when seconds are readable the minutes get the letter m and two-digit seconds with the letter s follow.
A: 6h58m57s
